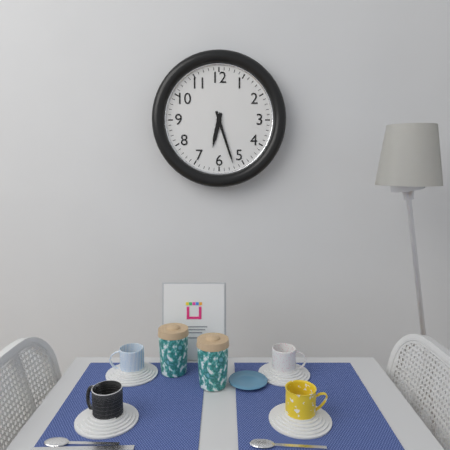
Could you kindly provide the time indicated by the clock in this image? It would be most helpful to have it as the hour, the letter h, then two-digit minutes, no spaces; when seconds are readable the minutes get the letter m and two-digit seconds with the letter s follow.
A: 6h27
